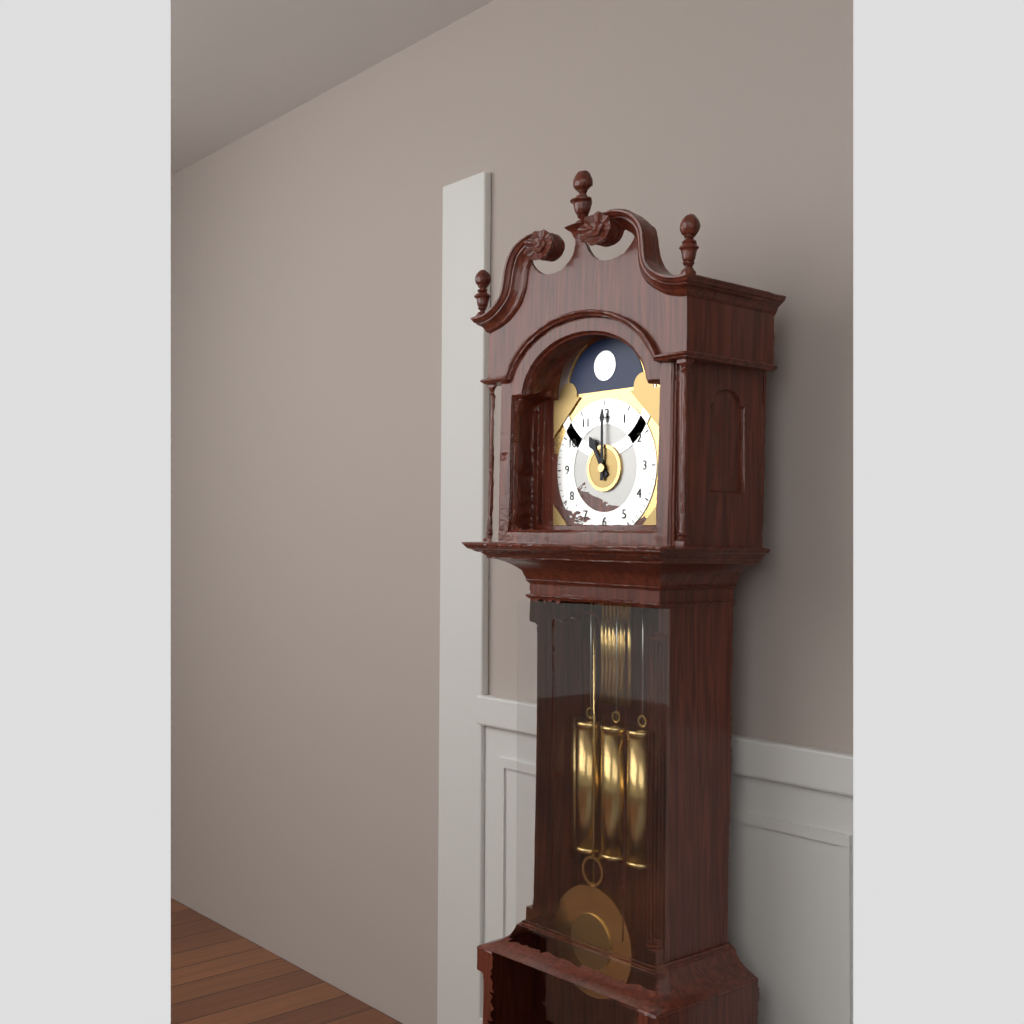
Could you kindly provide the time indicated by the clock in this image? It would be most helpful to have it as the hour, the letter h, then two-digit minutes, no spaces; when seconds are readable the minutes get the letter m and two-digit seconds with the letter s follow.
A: 11h00
